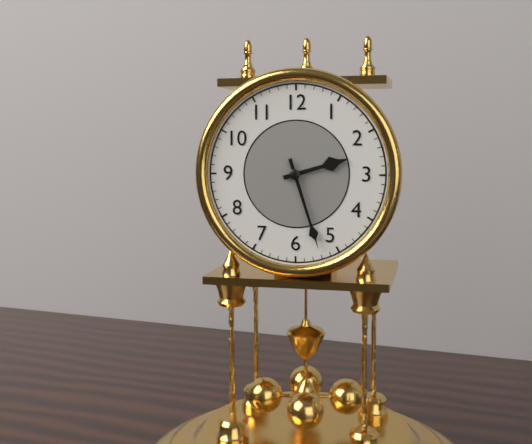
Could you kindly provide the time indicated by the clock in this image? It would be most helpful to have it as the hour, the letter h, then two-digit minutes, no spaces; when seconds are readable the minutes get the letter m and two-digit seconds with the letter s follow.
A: 2h27
